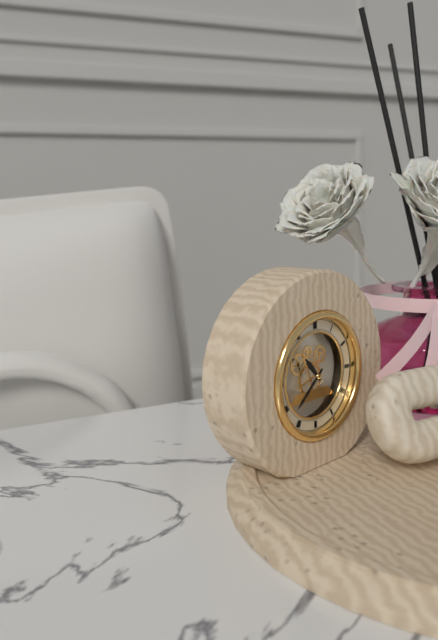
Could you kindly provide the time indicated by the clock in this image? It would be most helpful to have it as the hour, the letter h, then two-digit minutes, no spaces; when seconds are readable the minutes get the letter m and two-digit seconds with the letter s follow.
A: 10h38
